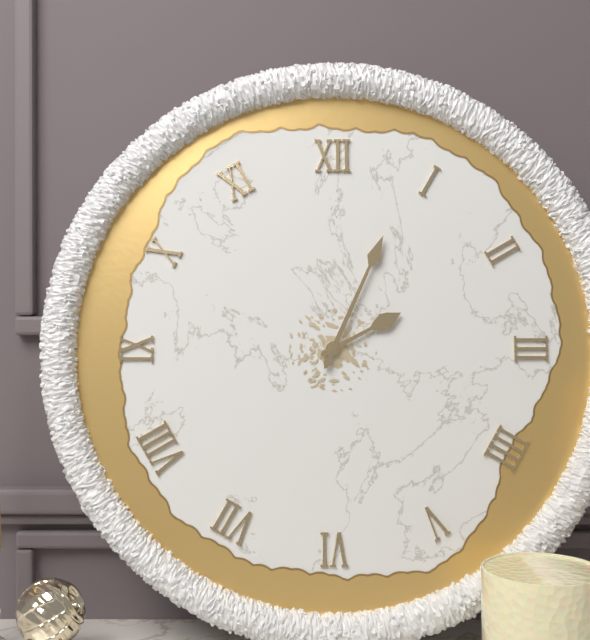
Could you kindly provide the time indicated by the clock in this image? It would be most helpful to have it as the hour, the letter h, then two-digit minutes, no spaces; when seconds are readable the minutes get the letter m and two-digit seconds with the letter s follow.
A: 2h04
